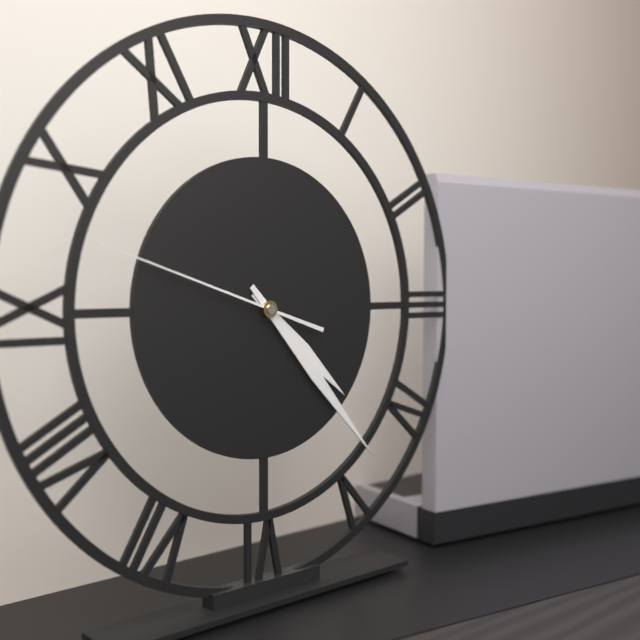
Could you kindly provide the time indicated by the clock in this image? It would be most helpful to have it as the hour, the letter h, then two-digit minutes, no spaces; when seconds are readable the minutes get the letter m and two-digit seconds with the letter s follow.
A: 4h23m48s
